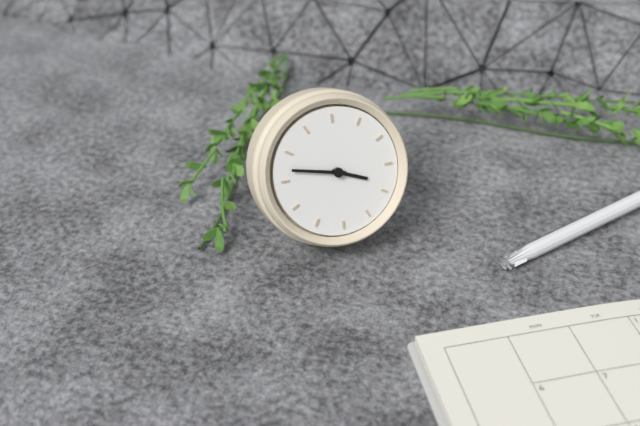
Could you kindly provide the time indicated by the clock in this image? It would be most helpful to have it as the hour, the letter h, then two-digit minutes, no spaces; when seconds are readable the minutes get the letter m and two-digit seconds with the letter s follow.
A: 2h42
